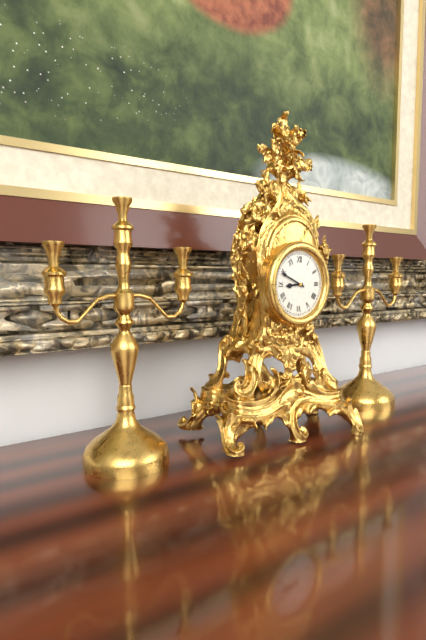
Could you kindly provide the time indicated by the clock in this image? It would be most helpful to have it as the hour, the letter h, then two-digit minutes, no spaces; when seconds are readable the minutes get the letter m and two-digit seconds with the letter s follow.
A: 8h49
